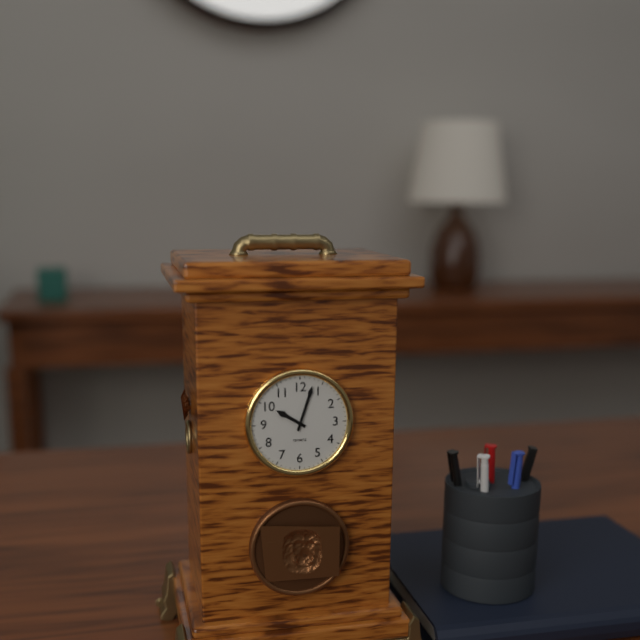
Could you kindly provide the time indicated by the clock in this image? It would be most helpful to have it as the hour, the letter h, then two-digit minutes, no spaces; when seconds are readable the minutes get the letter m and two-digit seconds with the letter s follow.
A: 10h03
